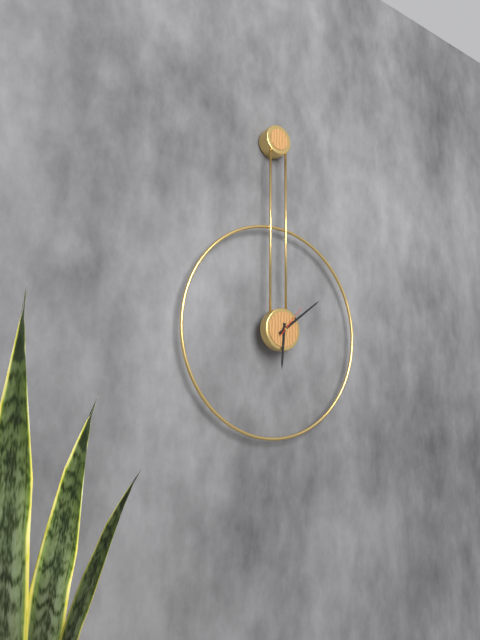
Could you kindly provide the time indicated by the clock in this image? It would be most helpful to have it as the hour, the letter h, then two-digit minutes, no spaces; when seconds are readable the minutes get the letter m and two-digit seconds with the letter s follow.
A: 6h09
